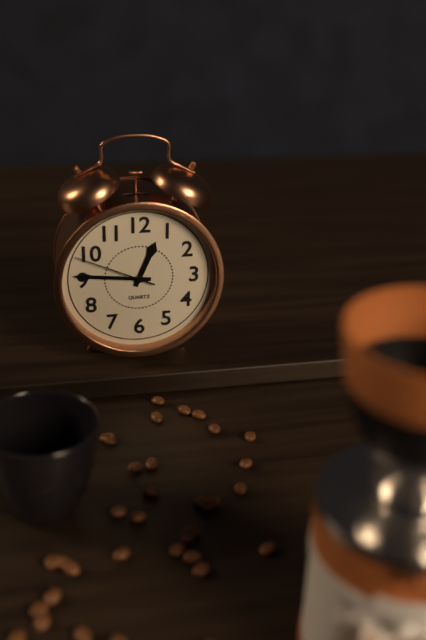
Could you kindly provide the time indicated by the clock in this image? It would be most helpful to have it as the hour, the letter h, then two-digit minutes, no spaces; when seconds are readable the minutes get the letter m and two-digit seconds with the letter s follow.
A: 12h46m49s
